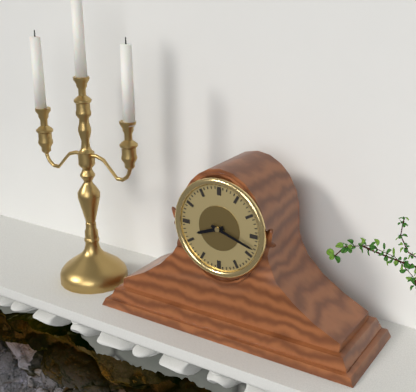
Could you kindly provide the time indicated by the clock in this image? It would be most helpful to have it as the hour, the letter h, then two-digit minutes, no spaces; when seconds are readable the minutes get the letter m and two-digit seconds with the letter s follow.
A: 8h18
